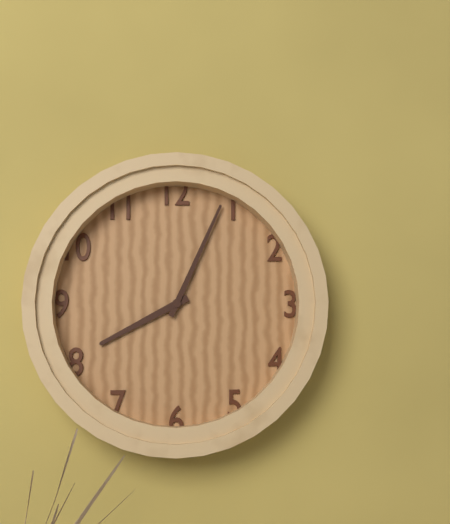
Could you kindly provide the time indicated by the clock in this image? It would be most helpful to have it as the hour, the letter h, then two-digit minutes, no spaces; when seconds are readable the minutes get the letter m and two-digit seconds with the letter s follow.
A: 8h04
